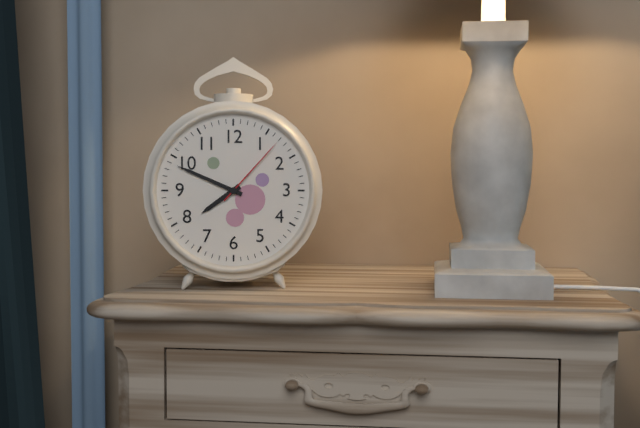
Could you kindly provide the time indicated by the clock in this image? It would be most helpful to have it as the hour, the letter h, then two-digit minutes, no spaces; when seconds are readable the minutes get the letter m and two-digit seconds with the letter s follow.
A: 7h49m07s
